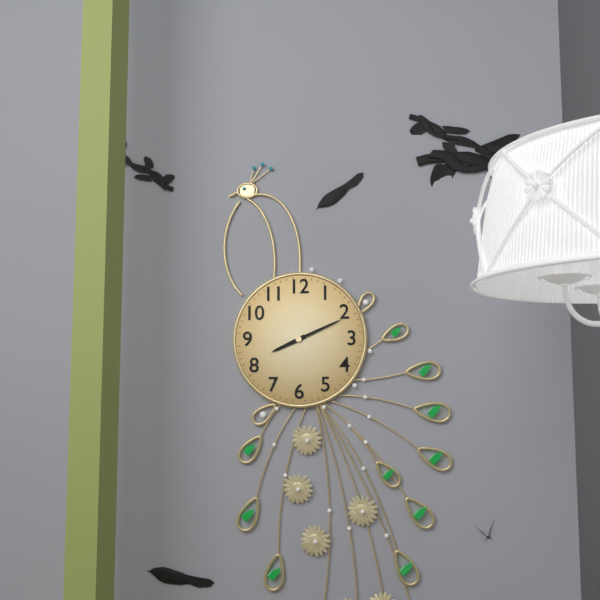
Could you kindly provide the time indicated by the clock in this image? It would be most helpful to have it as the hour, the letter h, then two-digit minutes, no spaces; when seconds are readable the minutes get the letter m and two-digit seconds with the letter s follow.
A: 8h11
